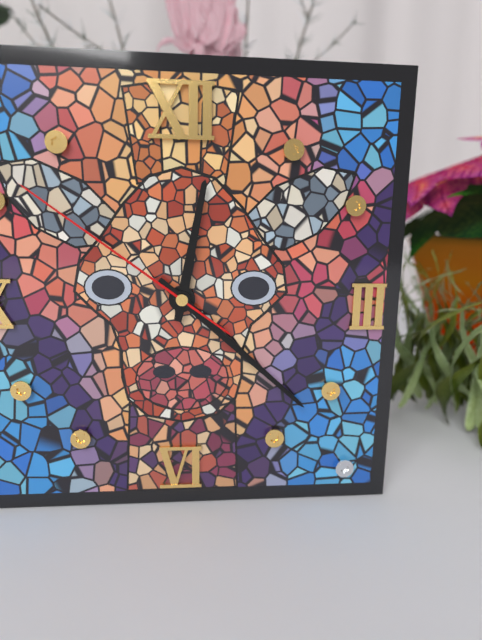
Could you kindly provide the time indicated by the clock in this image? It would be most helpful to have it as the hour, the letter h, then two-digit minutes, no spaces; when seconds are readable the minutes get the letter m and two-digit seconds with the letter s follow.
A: 12h22m51s
